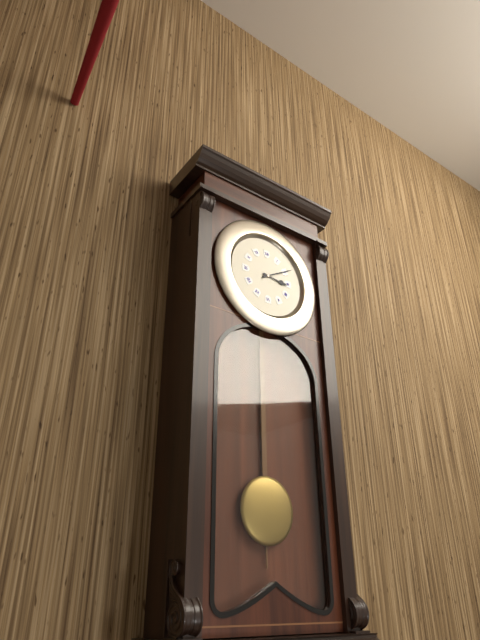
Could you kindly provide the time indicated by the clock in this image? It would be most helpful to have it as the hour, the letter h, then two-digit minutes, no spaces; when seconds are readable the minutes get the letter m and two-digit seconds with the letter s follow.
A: 3h10
